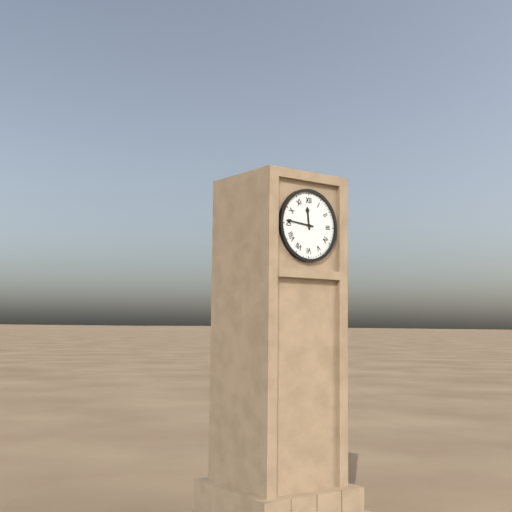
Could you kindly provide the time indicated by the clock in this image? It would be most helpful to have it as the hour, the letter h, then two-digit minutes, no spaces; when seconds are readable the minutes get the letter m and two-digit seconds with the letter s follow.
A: 11h46
